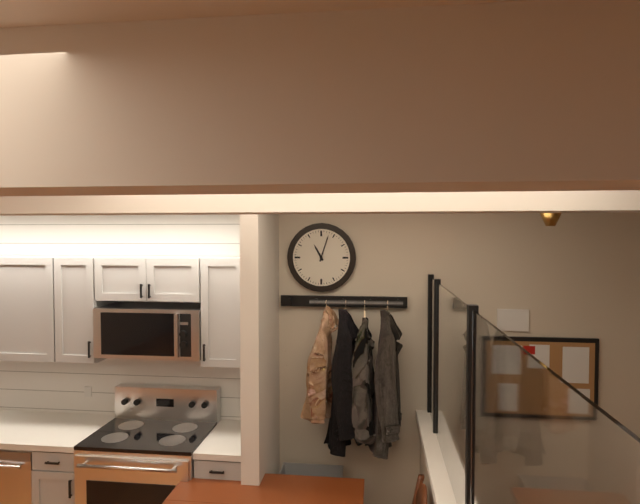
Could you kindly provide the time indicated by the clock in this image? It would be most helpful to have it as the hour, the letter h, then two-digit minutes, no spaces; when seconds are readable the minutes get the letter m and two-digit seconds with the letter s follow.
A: 11h03
